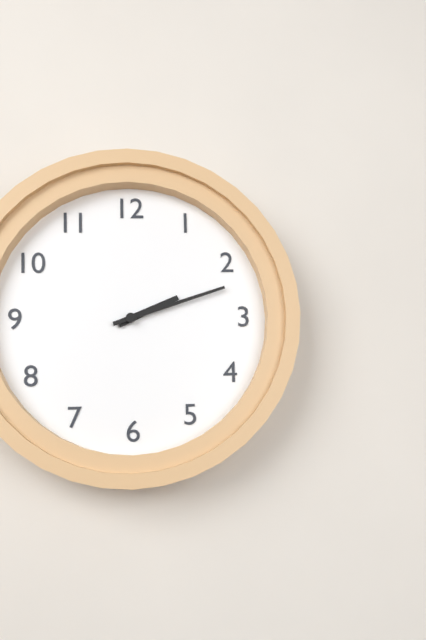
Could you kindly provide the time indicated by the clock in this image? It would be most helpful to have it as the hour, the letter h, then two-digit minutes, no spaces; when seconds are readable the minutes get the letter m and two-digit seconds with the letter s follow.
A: 2h12
